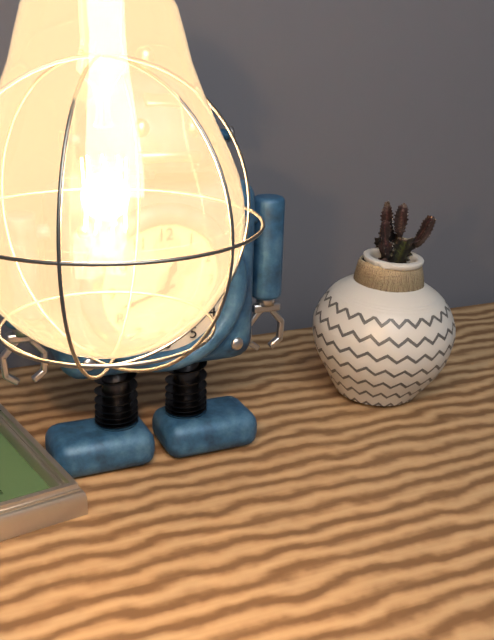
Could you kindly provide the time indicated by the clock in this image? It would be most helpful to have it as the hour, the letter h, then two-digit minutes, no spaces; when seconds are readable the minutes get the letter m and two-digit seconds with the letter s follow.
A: 12h42
